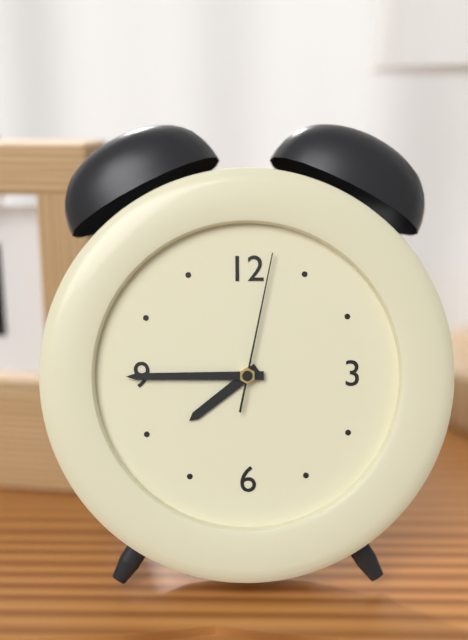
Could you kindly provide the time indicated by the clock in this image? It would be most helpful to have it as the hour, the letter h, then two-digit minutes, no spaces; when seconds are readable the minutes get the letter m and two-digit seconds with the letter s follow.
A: 7h45m02s
